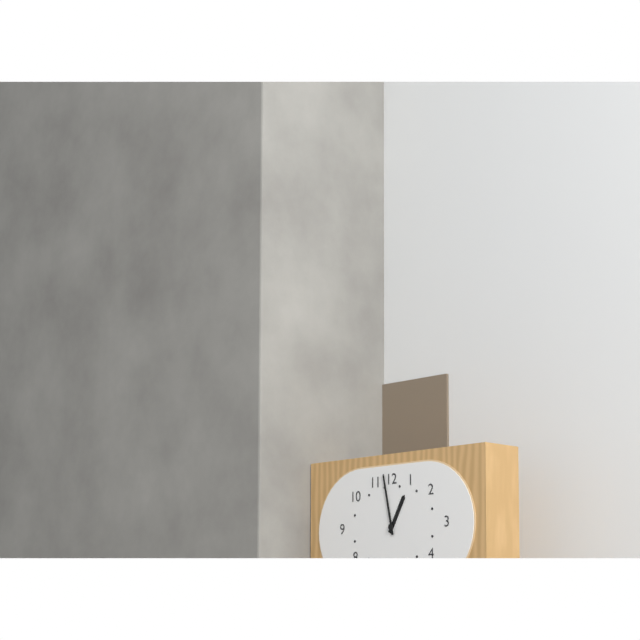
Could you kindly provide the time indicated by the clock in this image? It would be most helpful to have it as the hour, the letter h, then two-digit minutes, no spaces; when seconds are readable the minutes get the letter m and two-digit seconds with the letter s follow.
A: 12h58
